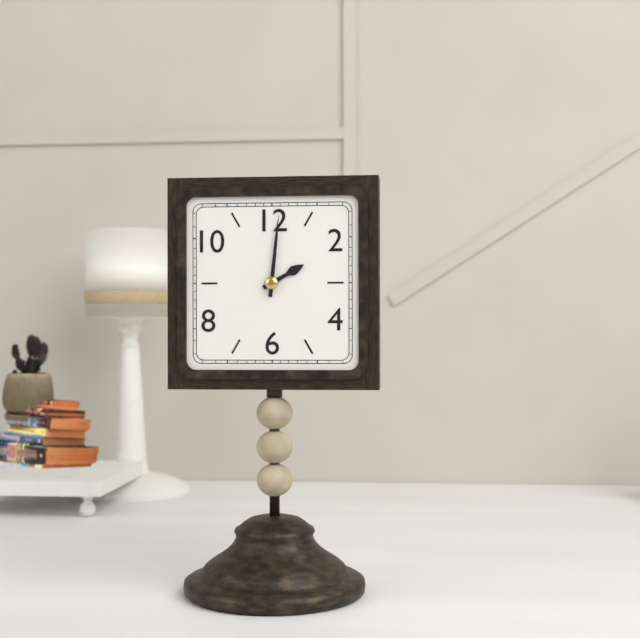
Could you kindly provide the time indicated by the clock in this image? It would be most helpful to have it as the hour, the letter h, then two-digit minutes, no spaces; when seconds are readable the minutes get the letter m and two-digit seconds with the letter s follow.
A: 2h01
